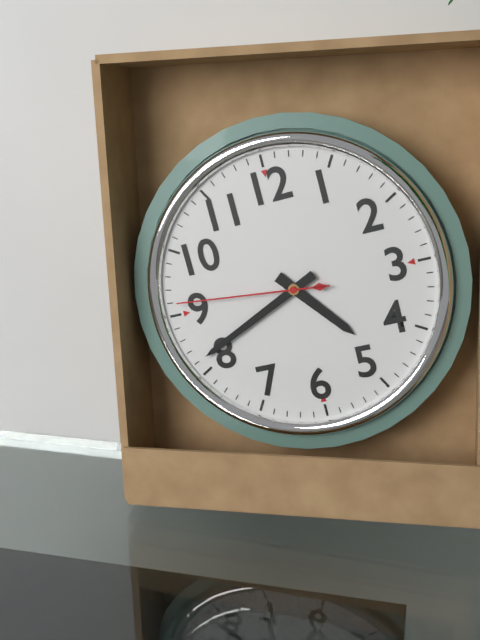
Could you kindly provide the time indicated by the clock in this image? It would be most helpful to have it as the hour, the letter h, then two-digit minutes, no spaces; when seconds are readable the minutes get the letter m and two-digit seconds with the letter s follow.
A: 4h41m46s
